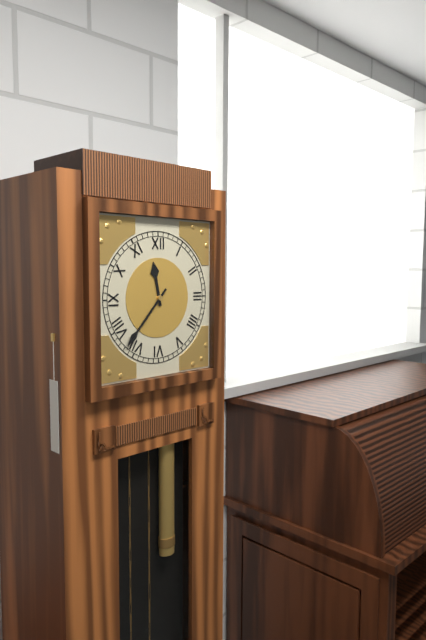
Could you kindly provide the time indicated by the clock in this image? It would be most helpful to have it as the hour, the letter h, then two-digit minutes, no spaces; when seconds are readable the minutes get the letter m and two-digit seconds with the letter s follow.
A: 11h37
